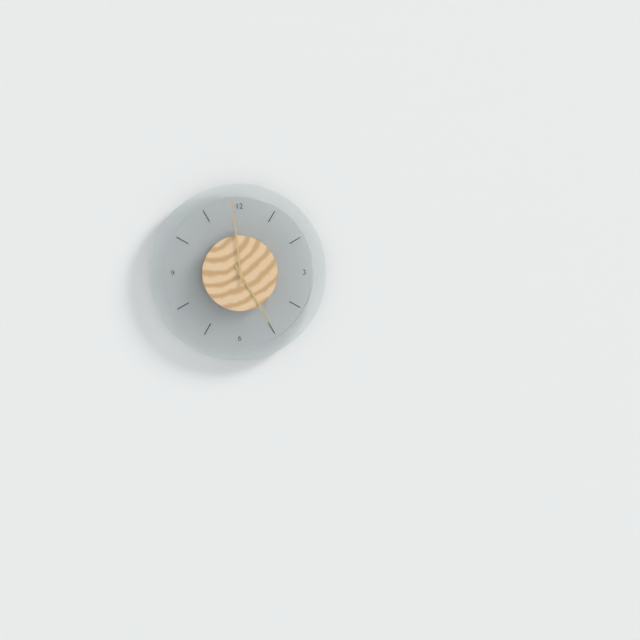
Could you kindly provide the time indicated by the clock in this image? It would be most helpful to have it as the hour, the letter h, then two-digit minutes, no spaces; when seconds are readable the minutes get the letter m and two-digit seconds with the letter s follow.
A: 4h59
